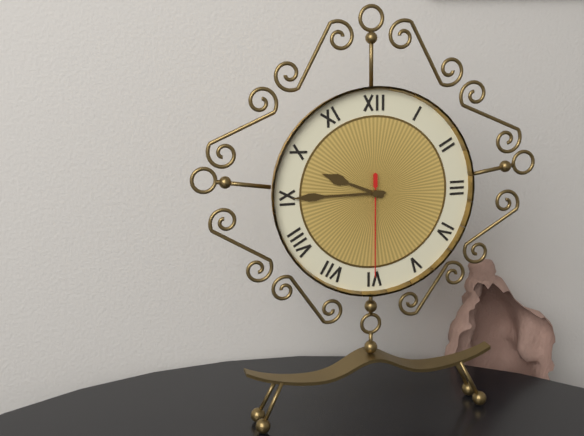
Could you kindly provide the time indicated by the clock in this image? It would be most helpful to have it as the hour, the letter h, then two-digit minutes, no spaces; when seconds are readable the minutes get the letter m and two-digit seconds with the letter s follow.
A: 9h45m30s
